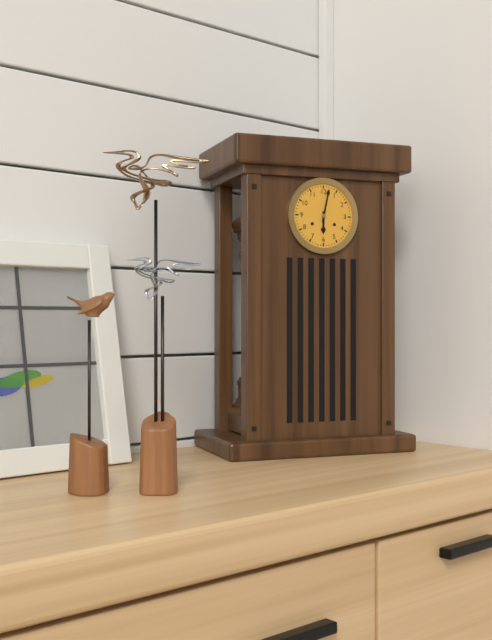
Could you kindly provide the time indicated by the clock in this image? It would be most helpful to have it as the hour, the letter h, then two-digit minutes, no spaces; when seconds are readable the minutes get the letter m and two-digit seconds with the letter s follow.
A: 6h02
